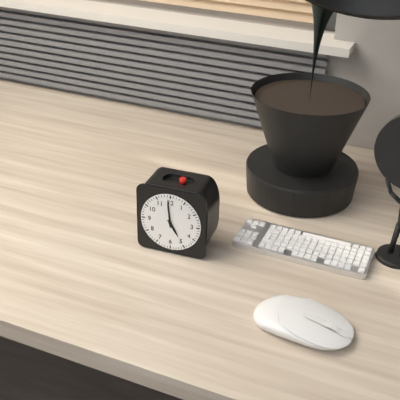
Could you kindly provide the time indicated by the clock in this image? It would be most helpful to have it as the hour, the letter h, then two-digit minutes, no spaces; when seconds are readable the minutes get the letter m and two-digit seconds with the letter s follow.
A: 4h59
